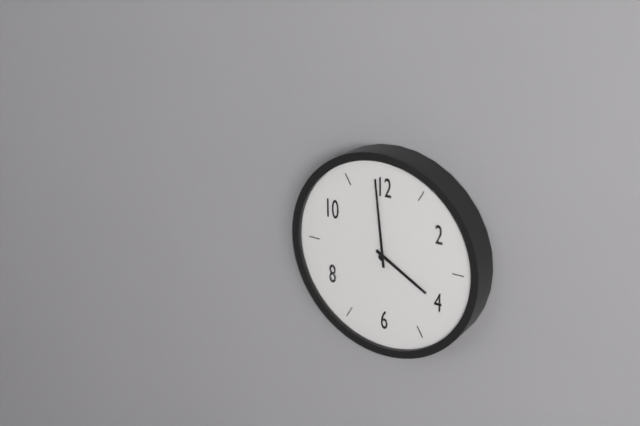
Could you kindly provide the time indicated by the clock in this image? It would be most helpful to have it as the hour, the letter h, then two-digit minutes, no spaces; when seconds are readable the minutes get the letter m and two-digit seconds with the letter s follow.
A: 3h59
